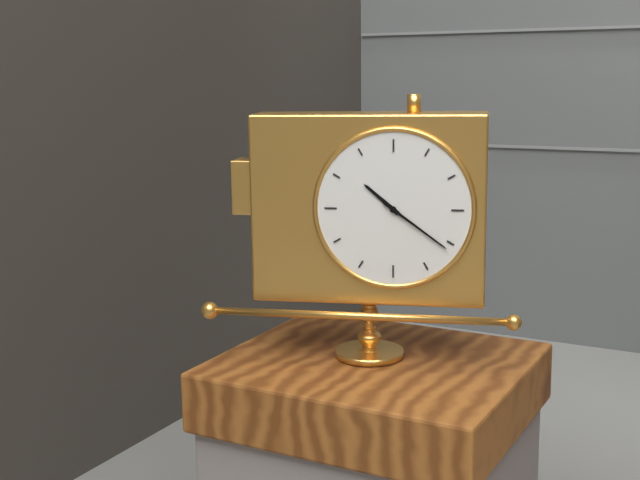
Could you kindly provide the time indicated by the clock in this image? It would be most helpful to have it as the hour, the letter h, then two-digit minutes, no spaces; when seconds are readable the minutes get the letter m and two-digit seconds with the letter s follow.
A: 10h21
